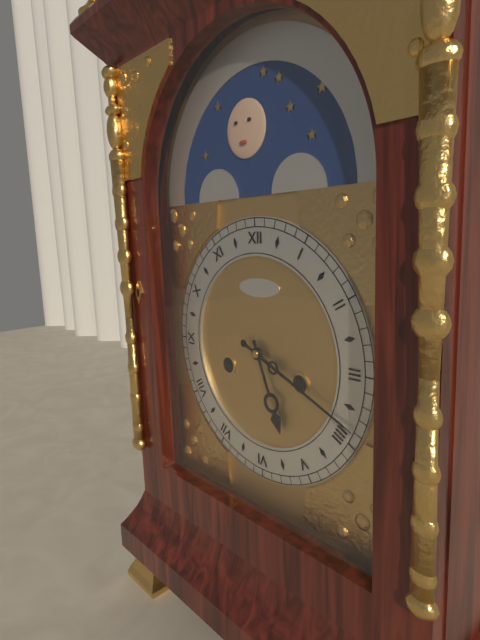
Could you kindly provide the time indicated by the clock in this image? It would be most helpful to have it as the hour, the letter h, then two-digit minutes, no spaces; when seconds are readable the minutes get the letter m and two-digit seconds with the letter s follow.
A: 5h19
